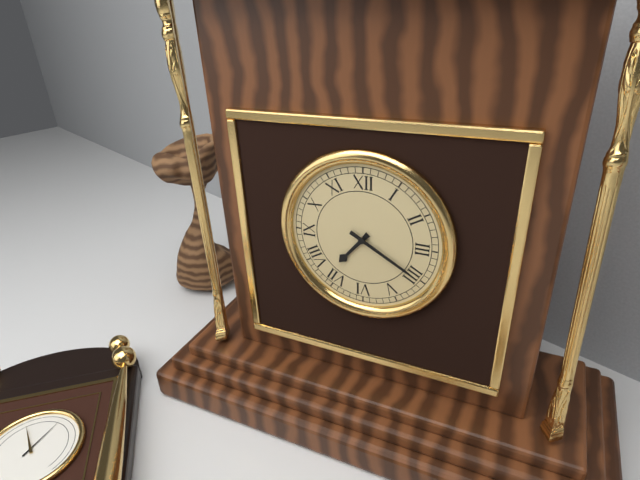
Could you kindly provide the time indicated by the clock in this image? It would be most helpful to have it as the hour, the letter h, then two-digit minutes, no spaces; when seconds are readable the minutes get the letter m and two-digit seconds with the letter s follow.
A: 7h20
